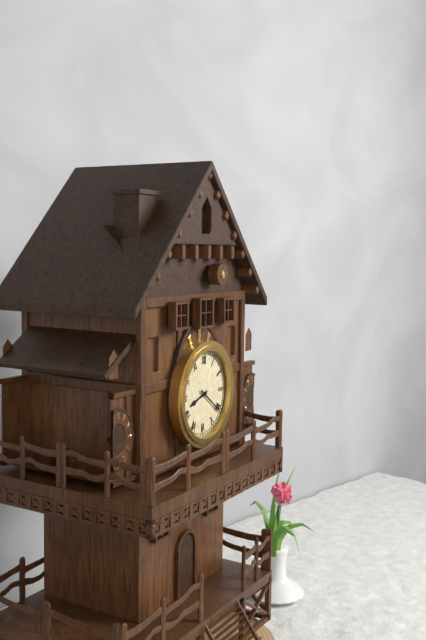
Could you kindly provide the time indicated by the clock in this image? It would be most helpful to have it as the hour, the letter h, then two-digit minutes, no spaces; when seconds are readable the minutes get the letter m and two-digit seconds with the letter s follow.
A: 8h21
